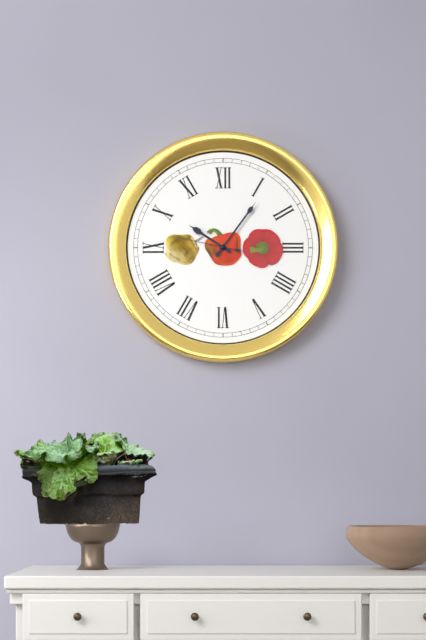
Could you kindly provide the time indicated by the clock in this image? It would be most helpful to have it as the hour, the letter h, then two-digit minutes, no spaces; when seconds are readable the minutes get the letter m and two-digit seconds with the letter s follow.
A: 10h06m47s
